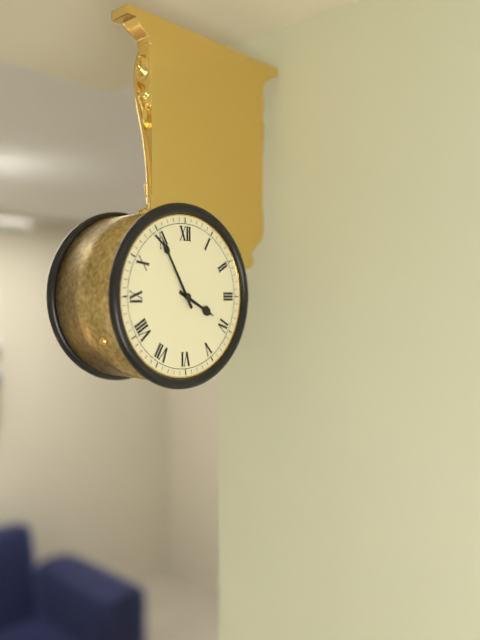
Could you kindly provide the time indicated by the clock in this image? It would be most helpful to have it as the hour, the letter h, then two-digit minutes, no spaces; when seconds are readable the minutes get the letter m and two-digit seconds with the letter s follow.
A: 3h55
